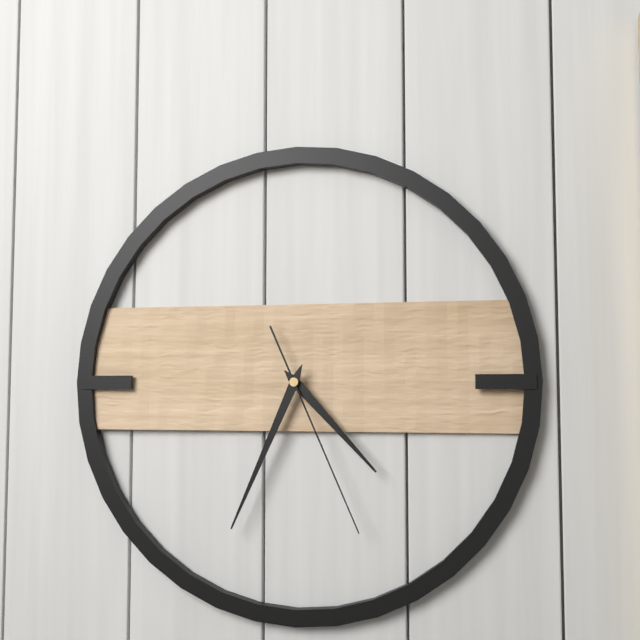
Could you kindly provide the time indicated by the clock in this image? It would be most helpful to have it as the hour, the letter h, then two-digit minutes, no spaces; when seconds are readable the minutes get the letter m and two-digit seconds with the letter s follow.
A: 4h34m26s
